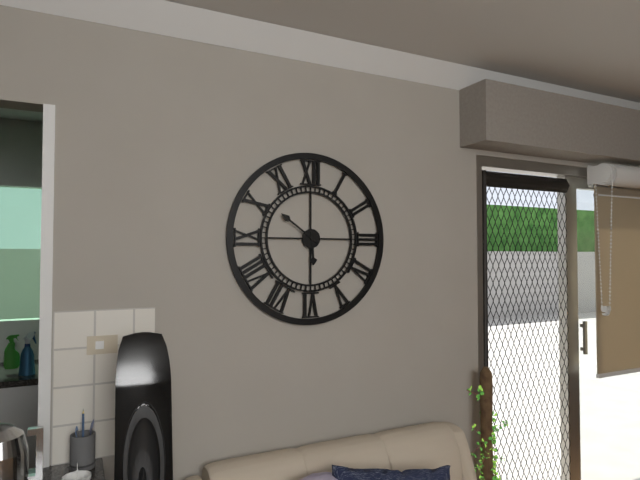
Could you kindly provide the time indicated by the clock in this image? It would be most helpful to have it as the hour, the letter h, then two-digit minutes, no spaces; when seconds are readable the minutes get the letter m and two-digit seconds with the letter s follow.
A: 5h51
